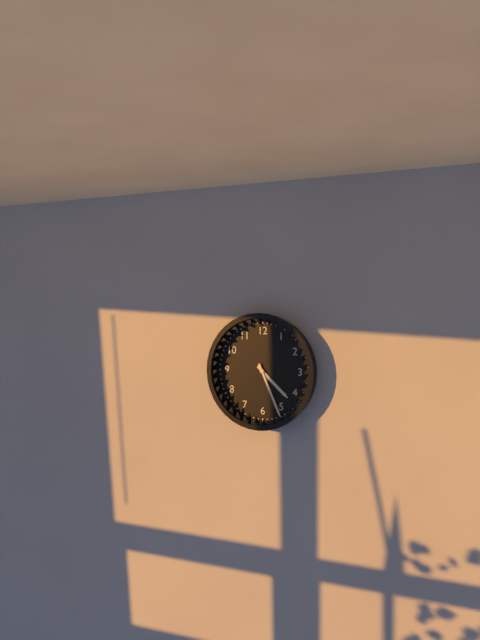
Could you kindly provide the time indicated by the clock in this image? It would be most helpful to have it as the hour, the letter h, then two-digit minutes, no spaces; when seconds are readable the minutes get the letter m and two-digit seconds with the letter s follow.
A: 4h26
